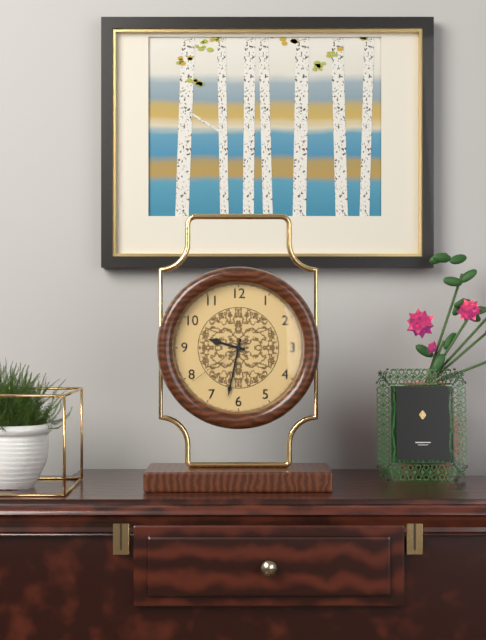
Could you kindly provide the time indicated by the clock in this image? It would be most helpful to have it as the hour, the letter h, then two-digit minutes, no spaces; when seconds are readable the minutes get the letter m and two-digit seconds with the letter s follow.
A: 9h32m39s
